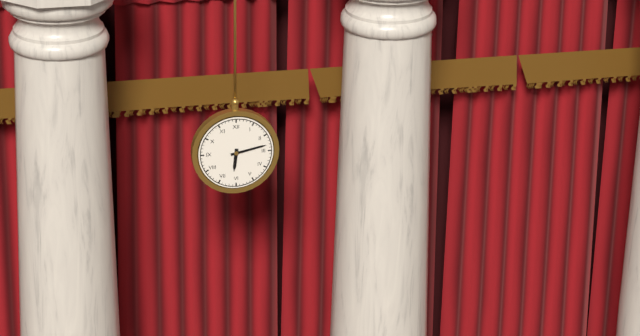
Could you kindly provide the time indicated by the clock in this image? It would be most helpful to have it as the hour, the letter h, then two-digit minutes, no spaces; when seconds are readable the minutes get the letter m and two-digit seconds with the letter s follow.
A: 6h13
